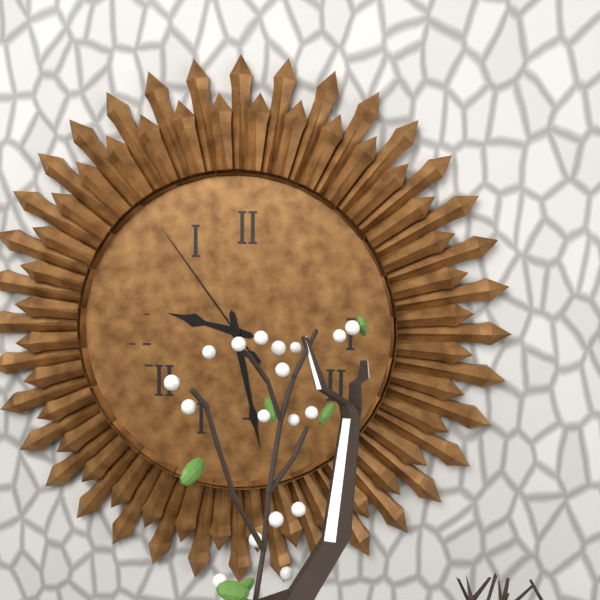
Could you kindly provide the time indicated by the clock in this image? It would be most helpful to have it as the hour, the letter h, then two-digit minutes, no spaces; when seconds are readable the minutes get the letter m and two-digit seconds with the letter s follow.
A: 9h28m54s
